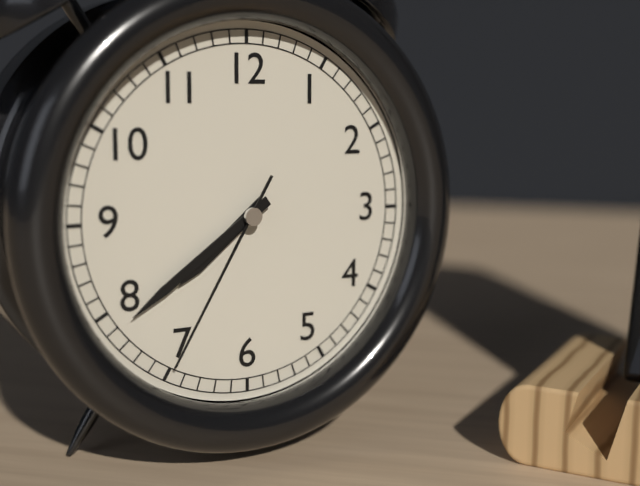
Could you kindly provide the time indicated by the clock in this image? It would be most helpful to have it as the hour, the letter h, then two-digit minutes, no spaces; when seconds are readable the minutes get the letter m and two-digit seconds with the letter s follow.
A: 7h39m35s
